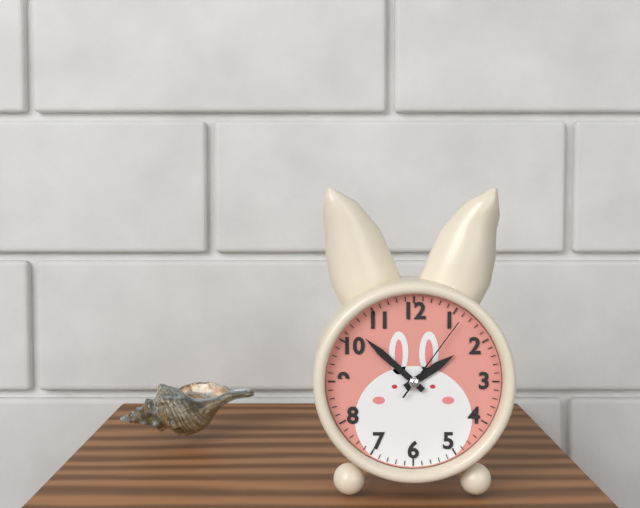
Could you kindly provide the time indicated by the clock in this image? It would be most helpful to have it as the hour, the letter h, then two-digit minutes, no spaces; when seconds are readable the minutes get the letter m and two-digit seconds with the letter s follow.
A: 1h52m06s
